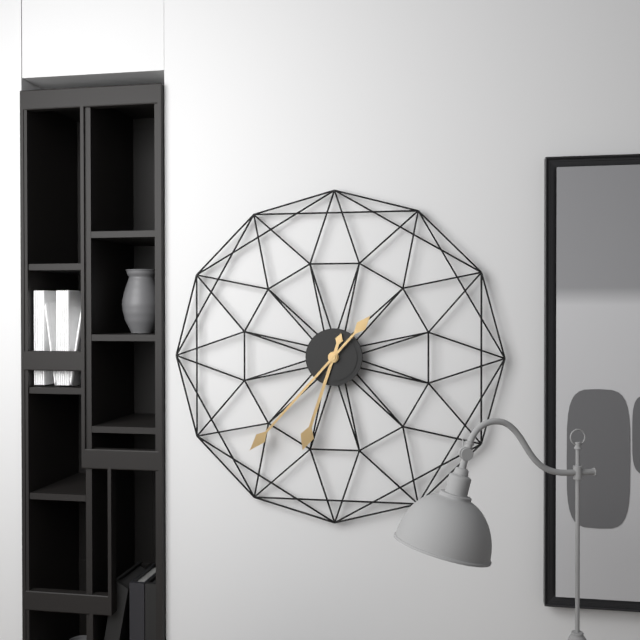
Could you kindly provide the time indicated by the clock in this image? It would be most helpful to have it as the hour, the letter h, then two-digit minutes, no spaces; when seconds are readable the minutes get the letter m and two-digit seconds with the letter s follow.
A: 6h37
